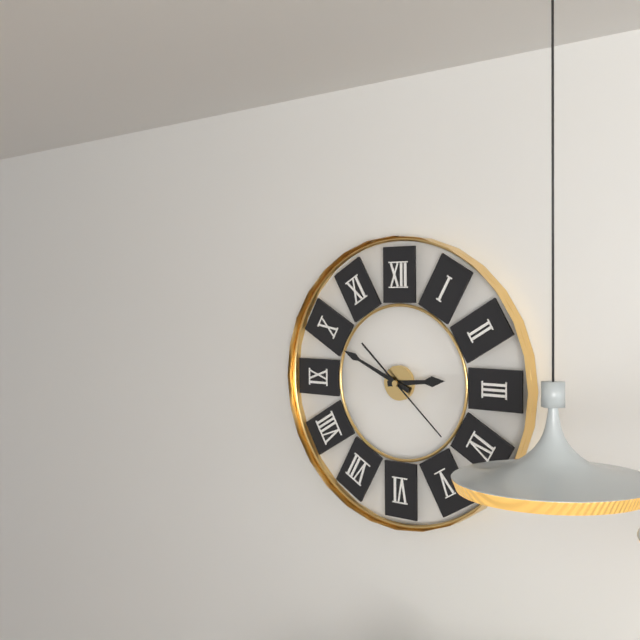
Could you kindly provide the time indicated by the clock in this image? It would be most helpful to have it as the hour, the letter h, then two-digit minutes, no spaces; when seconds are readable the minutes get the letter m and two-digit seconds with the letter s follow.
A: 2h49m22s
